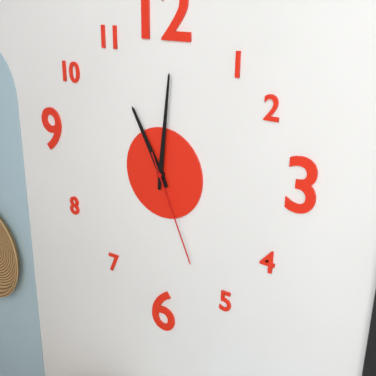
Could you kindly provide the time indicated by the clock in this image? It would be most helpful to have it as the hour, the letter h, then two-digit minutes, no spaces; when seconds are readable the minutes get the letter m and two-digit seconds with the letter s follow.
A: 11h01m26s
